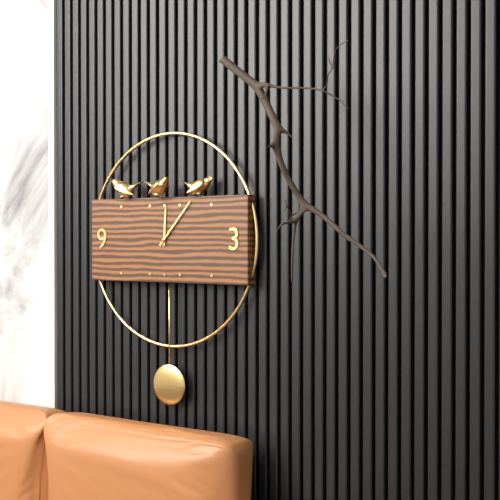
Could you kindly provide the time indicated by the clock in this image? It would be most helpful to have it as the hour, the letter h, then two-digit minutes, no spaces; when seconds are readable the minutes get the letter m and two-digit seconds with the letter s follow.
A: 12h07
